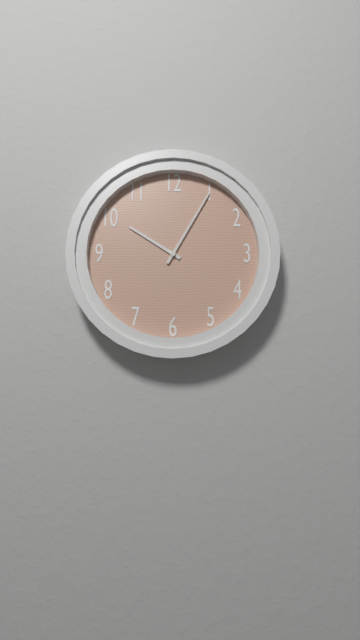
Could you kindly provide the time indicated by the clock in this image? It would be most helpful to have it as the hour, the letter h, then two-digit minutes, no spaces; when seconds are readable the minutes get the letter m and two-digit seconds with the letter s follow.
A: 10h05
